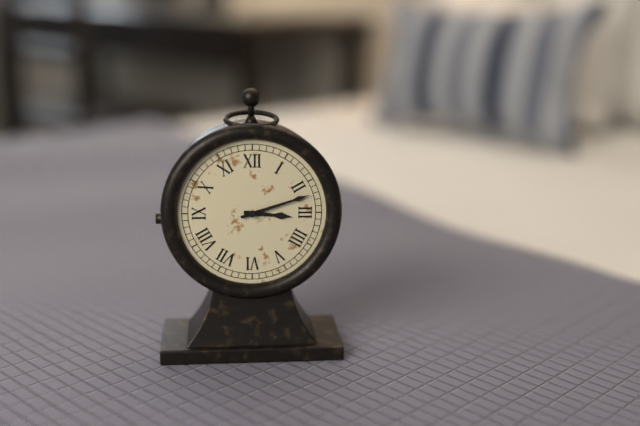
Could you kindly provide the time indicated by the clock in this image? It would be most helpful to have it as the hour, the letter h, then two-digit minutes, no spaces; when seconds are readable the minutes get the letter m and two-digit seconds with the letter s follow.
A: 3h12
